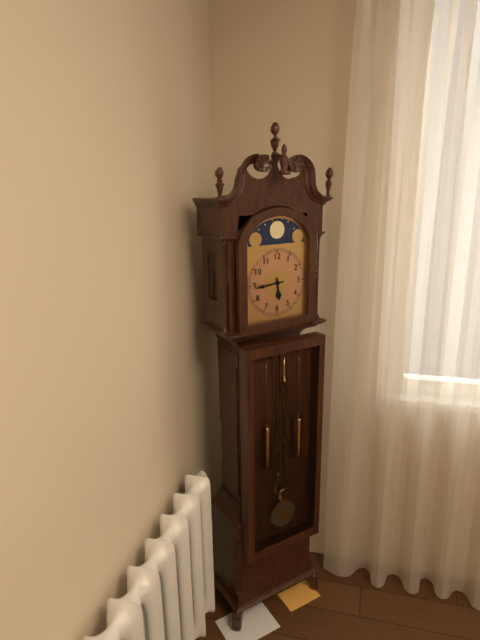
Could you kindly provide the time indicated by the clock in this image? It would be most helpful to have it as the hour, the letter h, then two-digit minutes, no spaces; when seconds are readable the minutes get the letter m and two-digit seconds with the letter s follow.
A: 5h44
